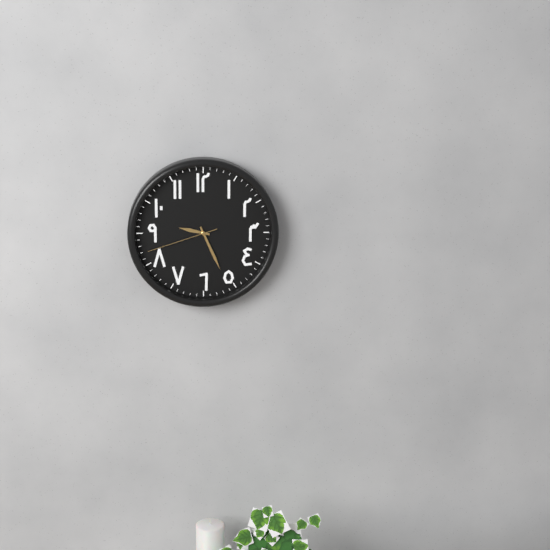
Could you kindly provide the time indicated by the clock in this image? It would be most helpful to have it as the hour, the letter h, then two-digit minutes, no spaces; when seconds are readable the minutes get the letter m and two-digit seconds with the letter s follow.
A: 9h26m42s
